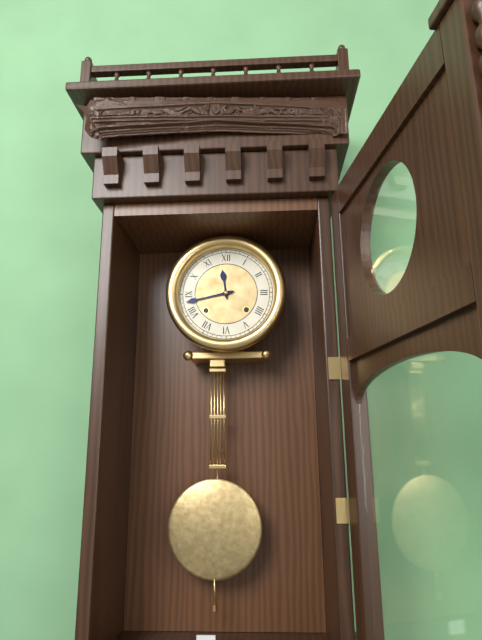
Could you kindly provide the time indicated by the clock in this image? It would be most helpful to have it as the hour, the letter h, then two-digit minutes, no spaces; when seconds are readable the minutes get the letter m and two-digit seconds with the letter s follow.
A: 11h43
